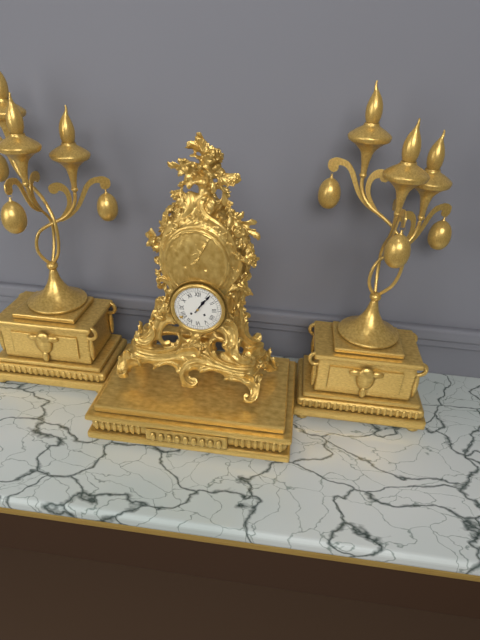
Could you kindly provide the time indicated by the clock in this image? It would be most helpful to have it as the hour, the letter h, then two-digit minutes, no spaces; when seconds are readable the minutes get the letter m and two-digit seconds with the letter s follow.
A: 1h06
